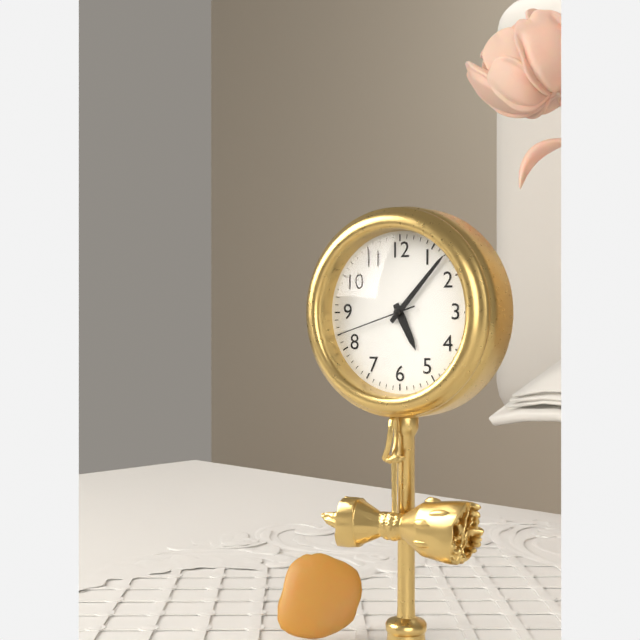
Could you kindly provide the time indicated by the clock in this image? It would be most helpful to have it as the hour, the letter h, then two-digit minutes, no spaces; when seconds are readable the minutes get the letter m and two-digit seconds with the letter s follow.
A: 5h07m42s
